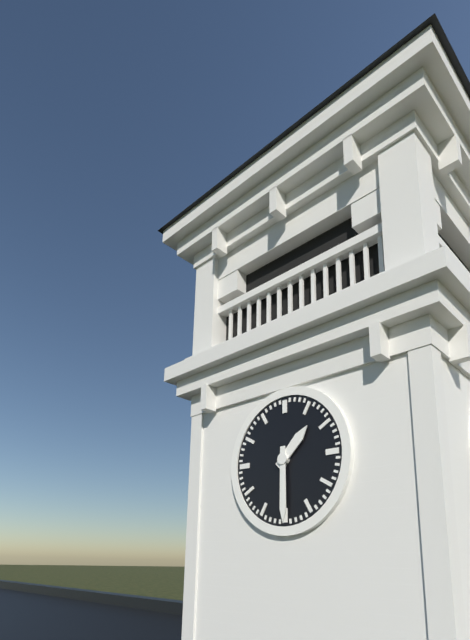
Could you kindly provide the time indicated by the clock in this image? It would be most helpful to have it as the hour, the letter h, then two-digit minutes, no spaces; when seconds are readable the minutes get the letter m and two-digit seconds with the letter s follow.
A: 1h30
